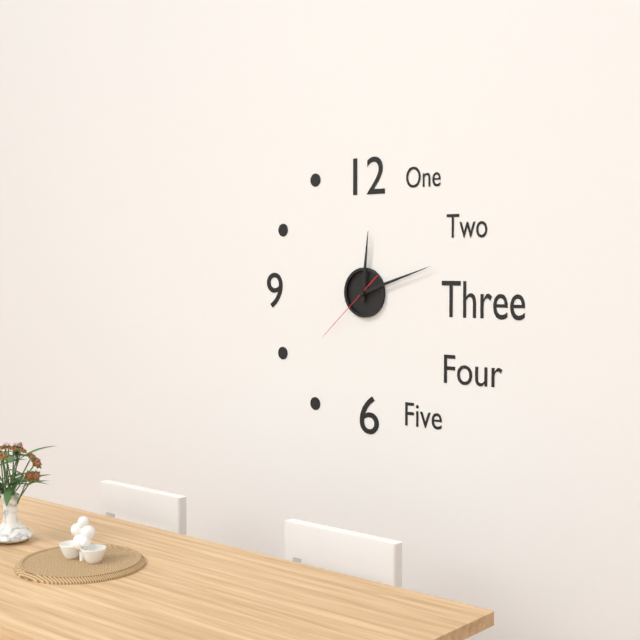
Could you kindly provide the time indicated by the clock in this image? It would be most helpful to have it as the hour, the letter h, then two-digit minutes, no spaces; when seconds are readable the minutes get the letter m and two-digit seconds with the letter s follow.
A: 12h12m38s
